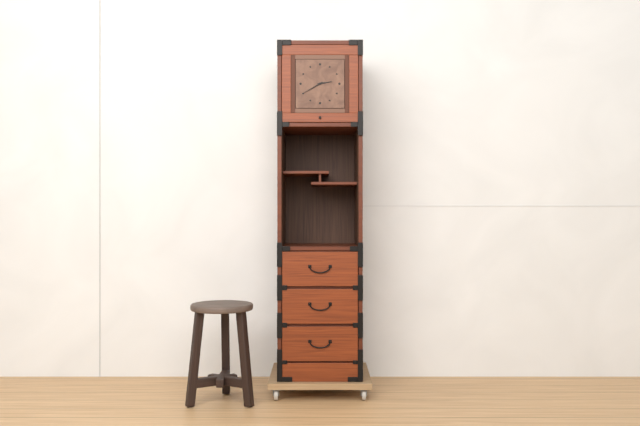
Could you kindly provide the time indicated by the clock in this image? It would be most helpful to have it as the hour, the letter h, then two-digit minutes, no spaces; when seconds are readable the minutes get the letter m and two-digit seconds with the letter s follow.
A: 2h40
